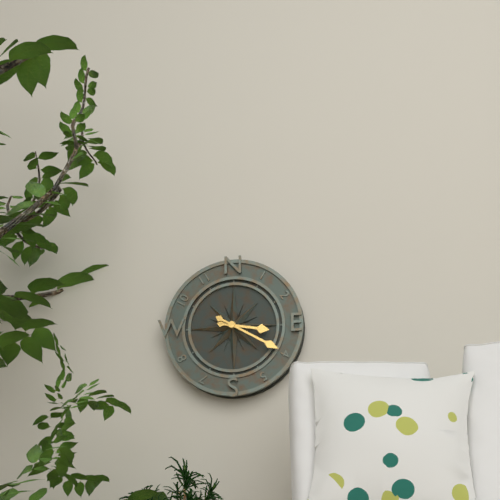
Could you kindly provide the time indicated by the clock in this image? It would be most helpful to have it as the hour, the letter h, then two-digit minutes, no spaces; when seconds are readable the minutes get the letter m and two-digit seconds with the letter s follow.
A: 3h20
